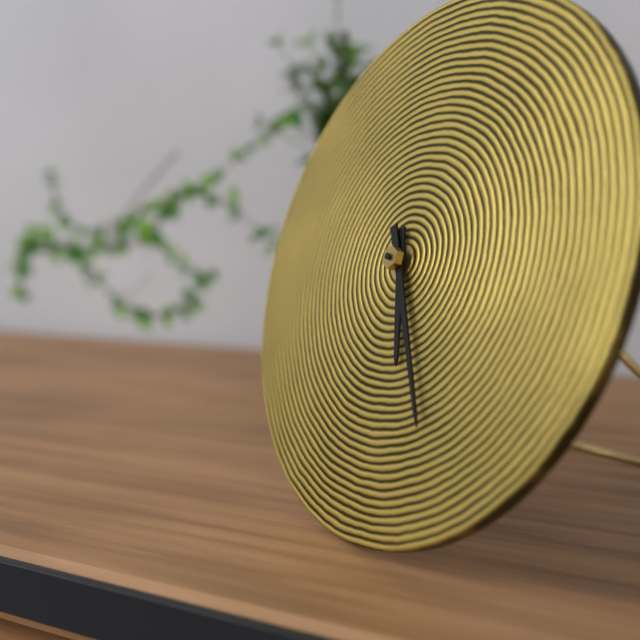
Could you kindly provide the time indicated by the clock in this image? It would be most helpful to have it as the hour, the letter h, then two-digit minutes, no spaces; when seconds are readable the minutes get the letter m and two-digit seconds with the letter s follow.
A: 5h25
